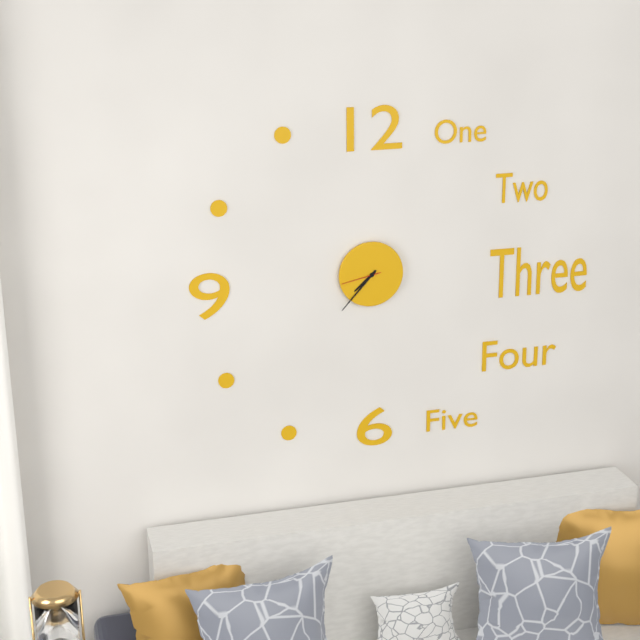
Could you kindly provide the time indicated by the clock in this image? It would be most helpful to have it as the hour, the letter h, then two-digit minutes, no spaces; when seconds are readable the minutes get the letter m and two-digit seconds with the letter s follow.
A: 7h37
